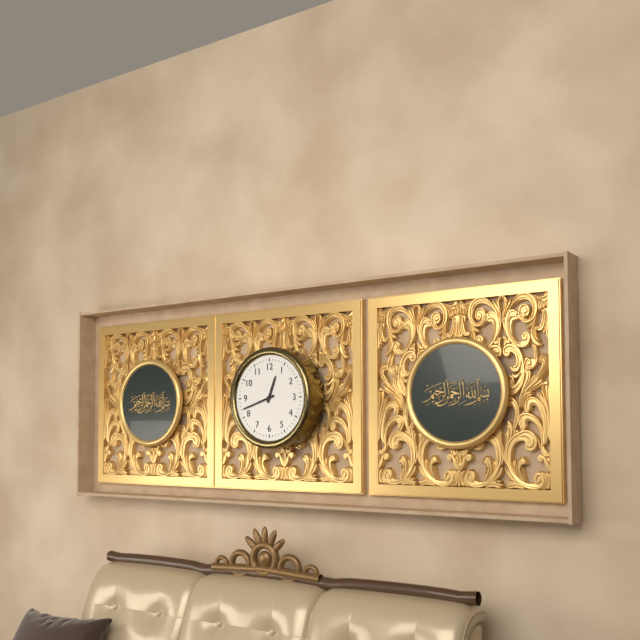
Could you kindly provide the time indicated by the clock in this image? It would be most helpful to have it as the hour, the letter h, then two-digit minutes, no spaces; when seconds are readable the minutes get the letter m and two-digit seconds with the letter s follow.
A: 12h42
